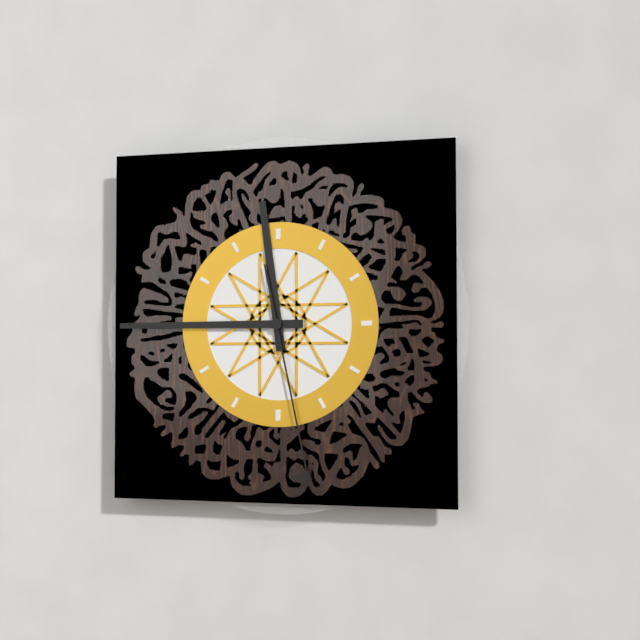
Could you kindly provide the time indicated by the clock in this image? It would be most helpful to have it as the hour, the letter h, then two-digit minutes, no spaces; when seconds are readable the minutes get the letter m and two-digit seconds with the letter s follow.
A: 11h45m28s
